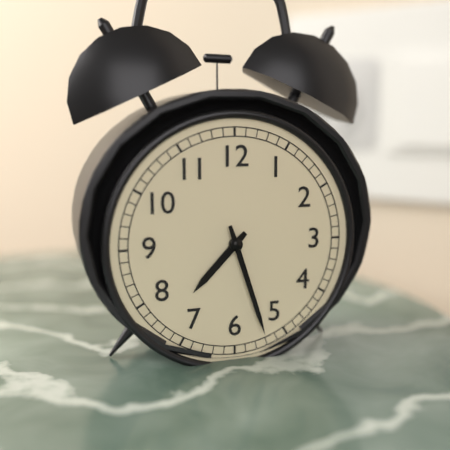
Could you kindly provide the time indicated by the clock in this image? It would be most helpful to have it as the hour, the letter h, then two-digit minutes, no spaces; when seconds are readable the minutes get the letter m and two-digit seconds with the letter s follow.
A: 7h27
